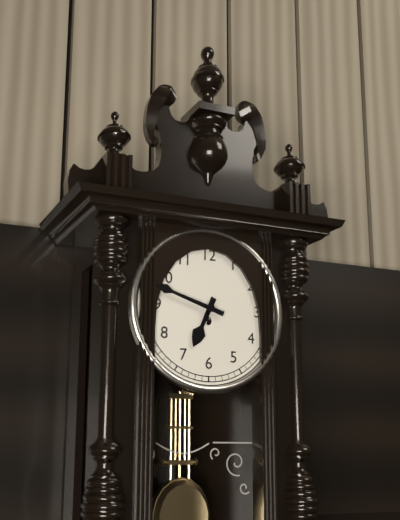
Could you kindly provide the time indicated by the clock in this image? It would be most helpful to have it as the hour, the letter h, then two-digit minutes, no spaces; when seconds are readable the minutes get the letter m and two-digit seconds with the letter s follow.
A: 6h48
